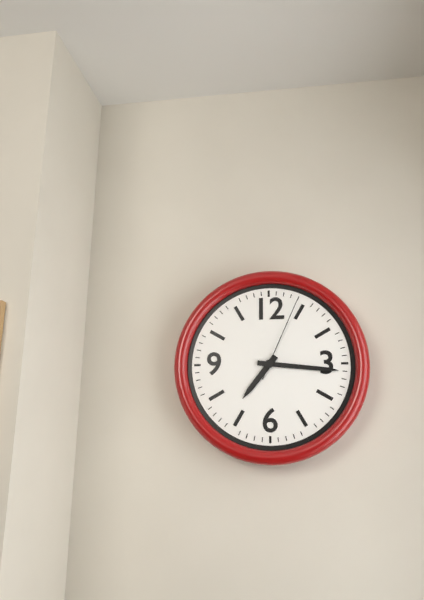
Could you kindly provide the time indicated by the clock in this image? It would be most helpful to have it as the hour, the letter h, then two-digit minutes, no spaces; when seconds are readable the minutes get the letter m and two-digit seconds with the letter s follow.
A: 7h16m04s
